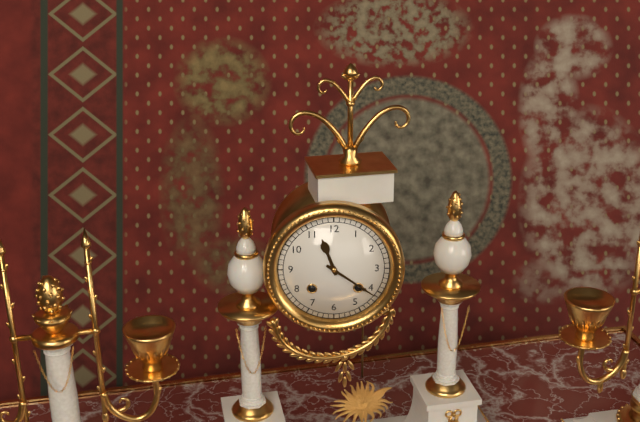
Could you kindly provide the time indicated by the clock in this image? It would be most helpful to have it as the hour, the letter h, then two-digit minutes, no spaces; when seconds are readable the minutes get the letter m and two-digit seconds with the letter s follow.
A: 11h21
